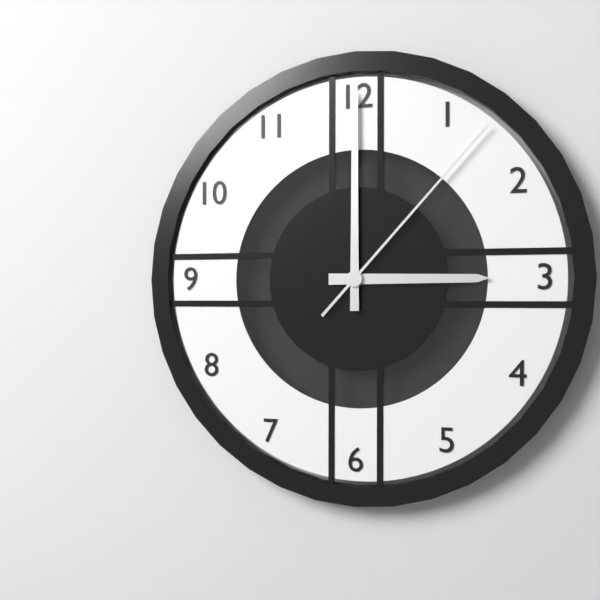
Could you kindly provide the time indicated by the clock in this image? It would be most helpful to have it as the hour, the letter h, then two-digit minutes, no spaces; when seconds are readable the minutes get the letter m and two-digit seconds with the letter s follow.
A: 3h00m07s
